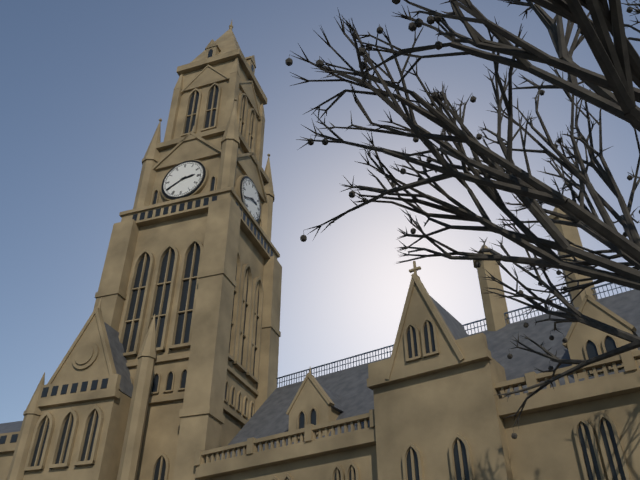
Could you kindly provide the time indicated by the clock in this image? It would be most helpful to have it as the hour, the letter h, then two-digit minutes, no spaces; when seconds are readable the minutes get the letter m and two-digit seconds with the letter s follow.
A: 2h40
